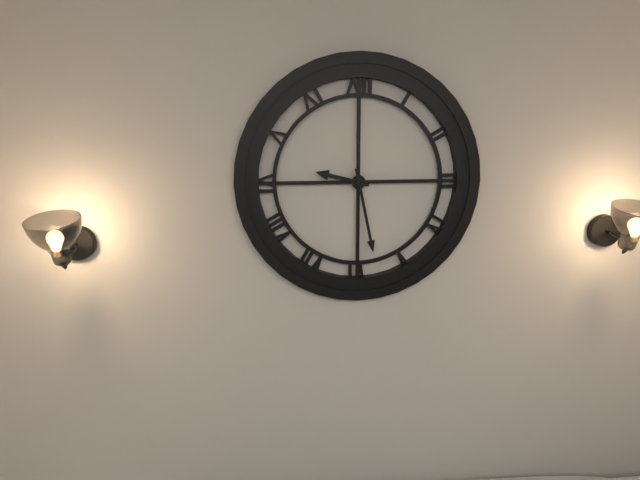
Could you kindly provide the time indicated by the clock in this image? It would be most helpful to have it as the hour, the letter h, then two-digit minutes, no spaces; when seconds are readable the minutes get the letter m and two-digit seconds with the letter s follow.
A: 9h28
